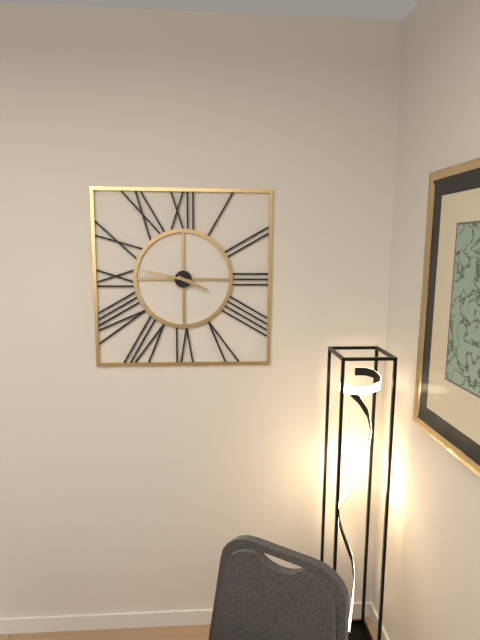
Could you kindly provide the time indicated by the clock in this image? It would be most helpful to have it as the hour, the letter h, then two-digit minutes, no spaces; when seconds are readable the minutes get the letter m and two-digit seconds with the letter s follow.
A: 3h47
